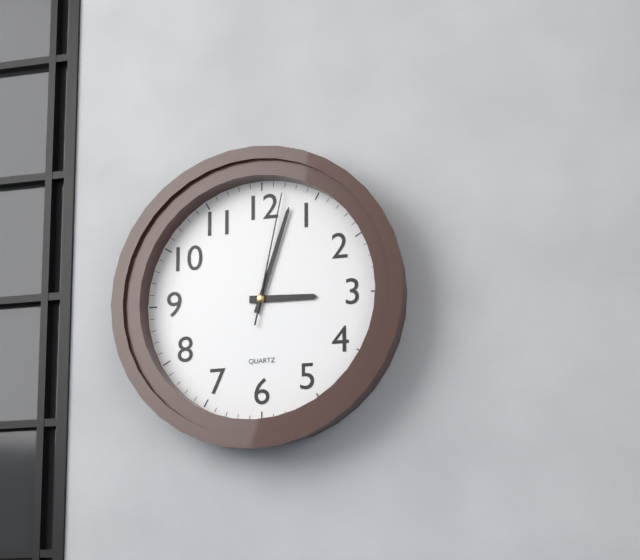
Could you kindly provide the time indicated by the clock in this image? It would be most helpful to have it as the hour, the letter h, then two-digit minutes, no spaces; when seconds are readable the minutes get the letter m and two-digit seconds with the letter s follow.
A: 3h03m02s
